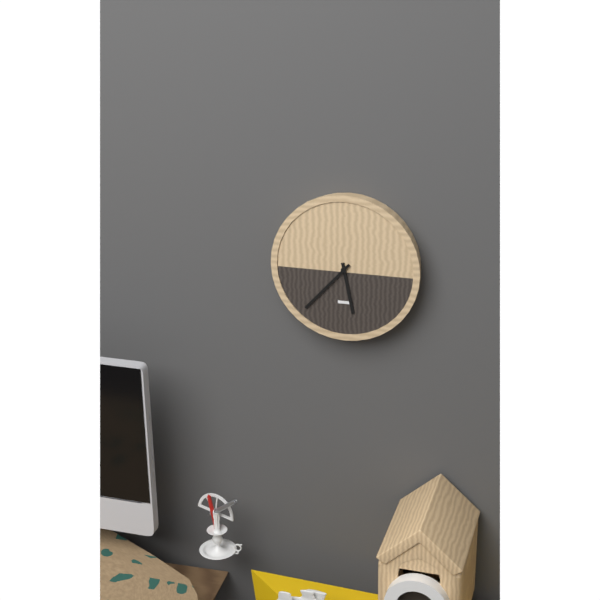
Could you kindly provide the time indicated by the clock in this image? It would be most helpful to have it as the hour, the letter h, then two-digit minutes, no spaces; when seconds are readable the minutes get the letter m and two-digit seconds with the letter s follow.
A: 5h37
